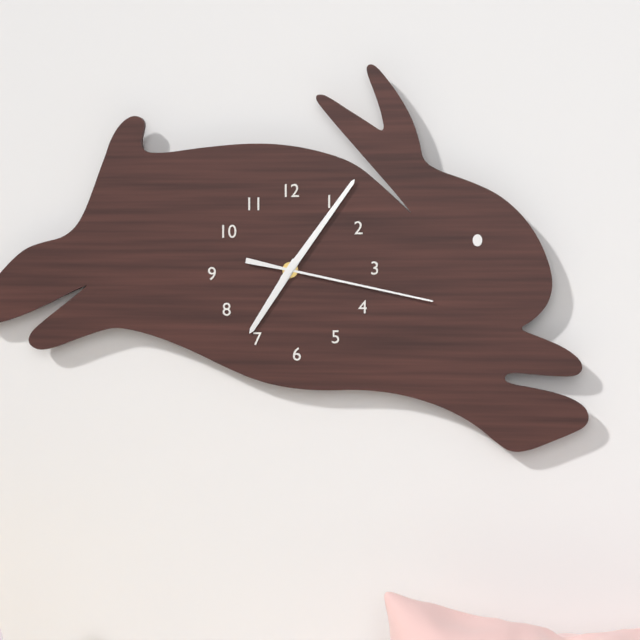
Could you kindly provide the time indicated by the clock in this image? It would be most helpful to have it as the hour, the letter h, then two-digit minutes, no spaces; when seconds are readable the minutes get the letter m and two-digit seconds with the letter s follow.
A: 7h06m17s
